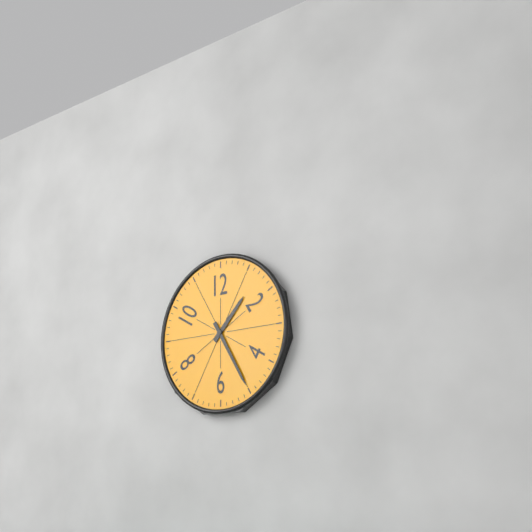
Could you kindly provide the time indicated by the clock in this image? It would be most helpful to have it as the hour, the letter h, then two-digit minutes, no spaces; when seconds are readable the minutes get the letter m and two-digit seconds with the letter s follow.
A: 1h25
